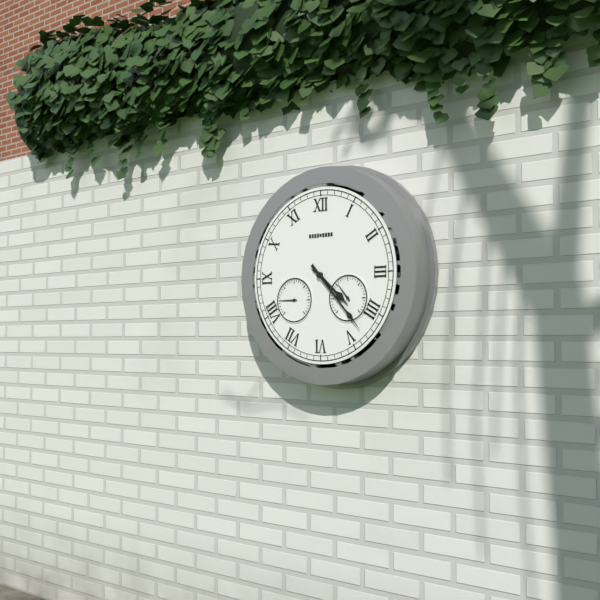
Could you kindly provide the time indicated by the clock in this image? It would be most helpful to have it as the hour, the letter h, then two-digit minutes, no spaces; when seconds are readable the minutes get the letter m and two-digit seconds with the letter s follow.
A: 4h23
